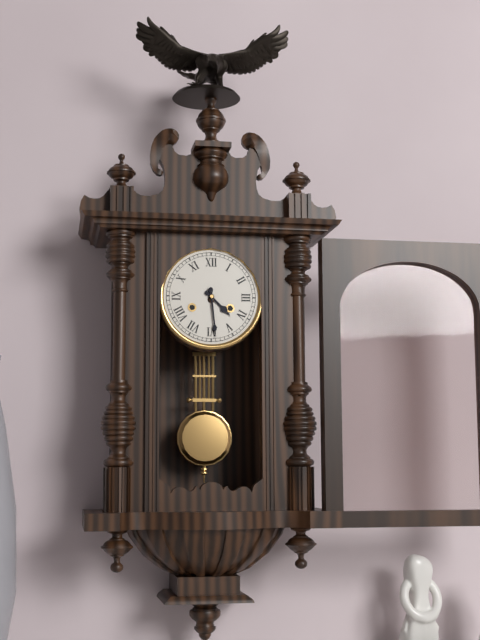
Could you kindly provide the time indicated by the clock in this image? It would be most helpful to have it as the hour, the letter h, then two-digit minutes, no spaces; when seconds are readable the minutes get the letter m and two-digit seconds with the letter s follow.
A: 4h29
